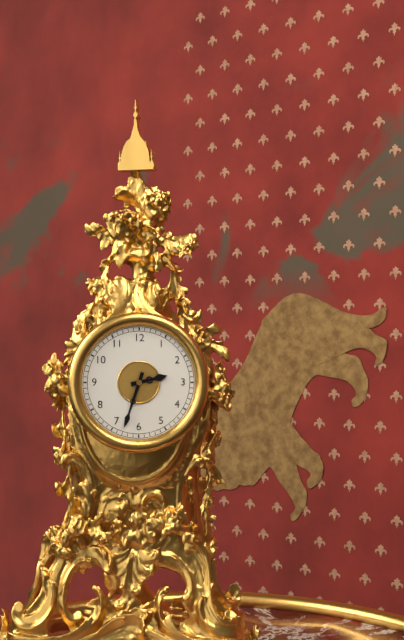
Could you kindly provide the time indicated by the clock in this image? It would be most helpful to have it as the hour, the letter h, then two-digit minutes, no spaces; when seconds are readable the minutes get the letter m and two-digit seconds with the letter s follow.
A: 2h33
